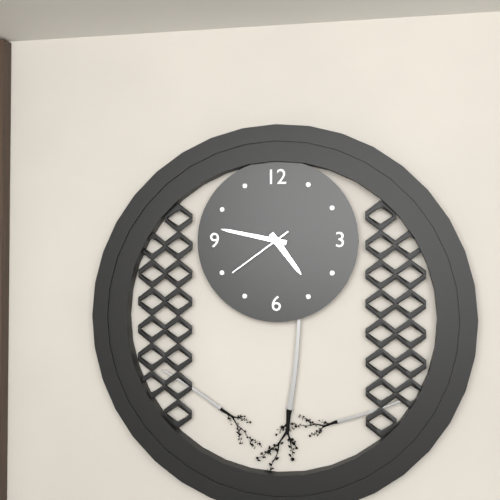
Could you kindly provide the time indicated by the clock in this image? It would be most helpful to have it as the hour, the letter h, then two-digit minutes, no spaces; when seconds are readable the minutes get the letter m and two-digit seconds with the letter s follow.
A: 4h47m39s
